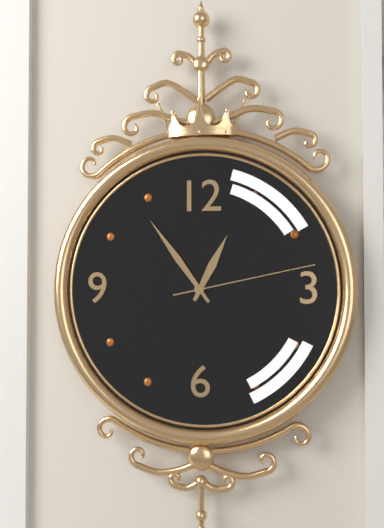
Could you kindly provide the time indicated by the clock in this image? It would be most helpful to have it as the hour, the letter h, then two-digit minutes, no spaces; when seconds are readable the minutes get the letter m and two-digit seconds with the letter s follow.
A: 12h54m13s
